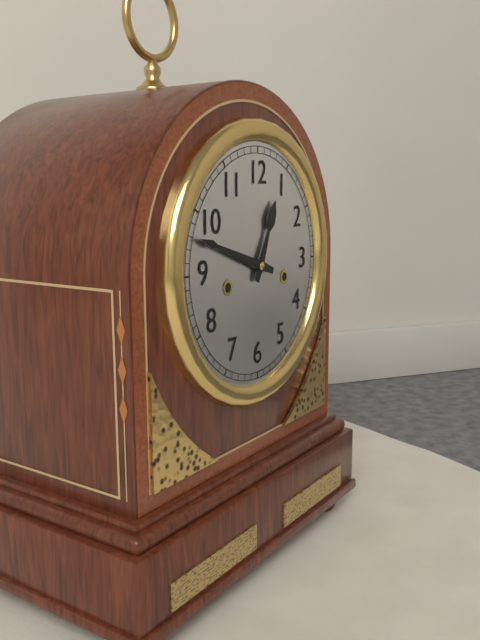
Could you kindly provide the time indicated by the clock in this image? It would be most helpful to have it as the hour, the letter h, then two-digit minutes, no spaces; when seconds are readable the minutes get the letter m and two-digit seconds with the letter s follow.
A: 12h48
